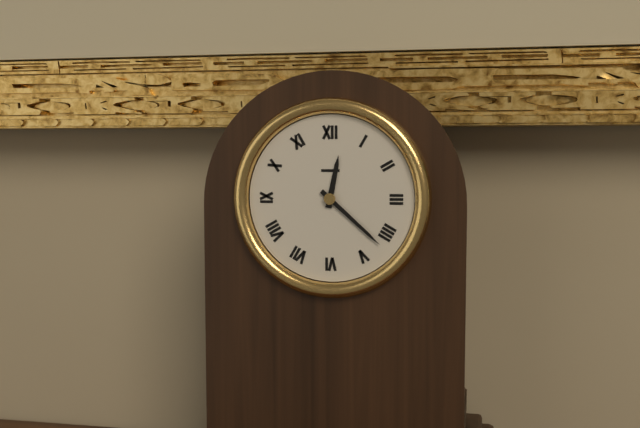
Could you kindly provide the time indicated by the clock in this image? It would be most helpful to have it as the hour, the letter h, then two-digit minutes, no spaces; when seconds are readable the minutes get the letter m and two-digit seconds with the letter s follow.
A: 12h22
